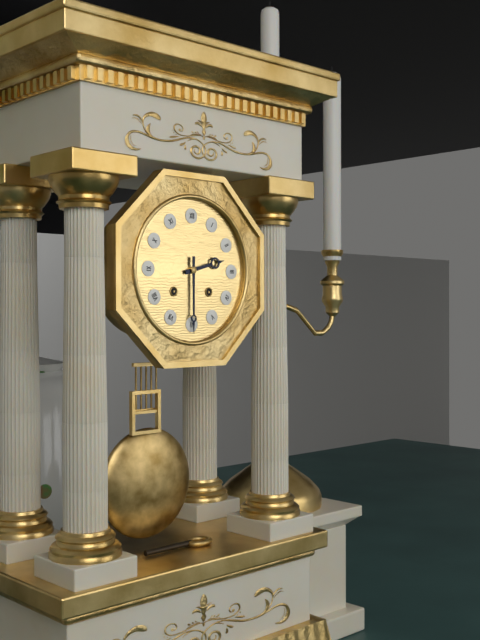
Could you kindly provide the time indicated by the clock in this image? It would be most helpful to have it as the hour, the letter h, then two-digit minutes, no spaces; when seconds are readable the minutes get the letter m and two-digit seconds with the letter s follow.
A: 2h30
